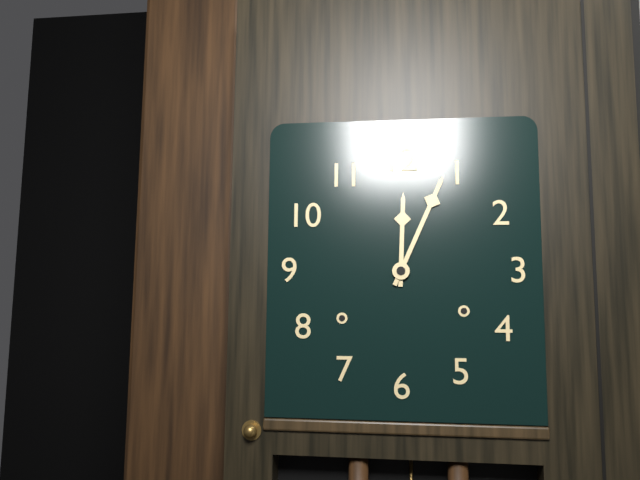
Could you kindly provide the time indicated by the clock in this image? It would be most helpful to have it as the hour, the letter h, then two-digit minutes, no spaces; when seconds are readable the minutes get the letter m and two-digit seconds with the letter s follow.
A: 12h04
